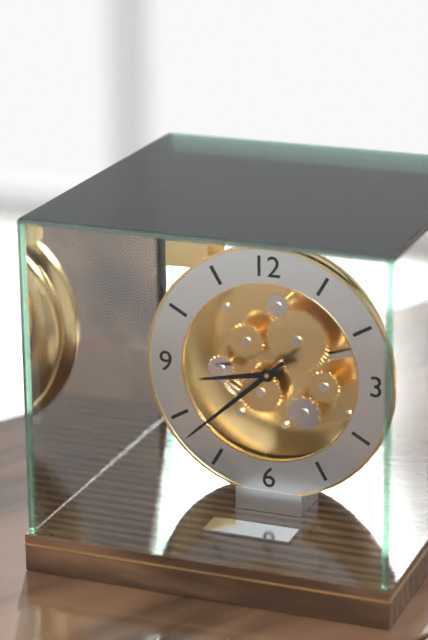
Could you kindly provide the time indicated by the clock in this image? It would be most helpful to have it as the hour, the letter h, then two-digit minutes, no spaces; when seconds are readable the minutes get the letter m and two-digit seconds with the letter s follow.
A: 8h38
